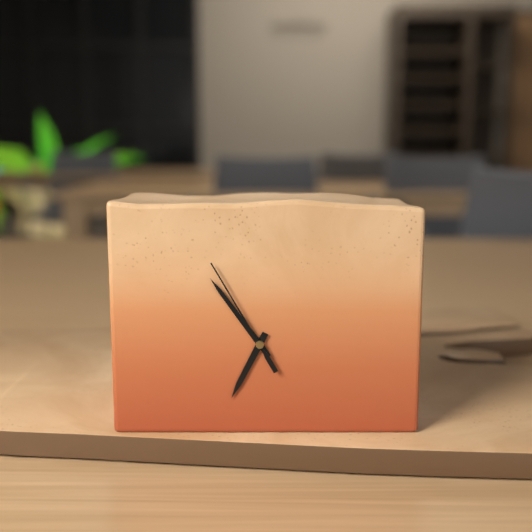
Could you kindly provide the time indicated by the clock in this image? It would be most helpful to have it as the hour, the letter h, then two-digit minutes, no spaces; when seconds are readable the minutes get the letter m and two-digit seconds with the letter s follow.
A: 6h54m55s
